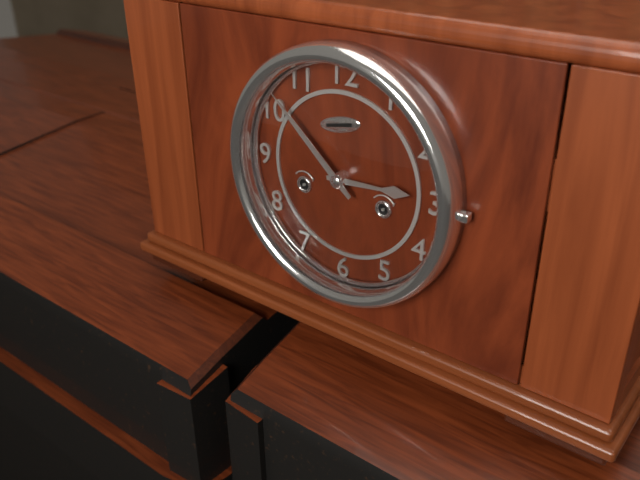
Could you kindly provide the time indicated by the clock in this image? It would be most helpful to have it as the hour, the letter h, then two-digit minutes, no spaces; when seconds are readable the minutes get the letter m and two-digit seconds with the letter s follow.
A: 2h52
